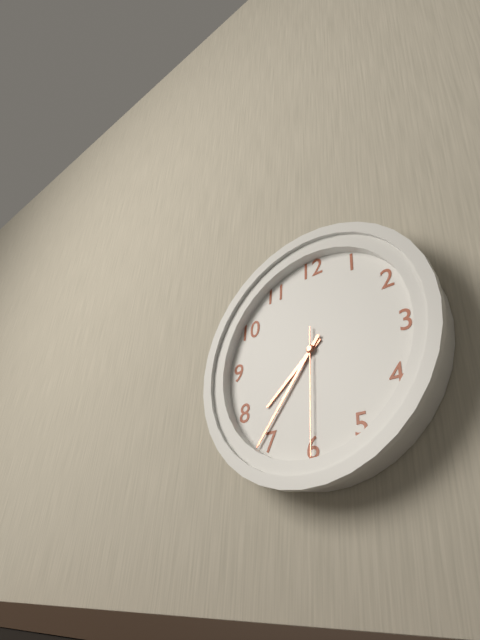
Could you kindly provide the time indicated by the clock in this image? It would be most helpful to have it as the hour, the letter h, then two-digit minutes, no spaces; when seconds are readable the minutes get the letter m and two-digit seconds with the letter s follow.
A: 7h36m30s
